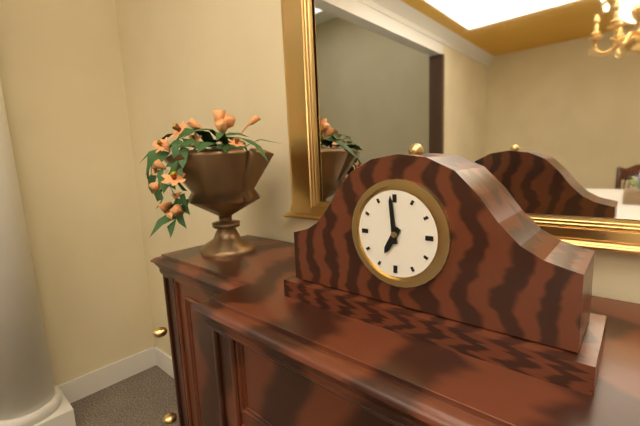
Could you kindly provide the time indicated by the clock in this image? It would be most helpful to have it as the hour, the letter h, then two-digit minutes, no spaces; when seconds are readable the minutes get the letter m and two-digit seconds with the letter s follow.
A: 6h59
